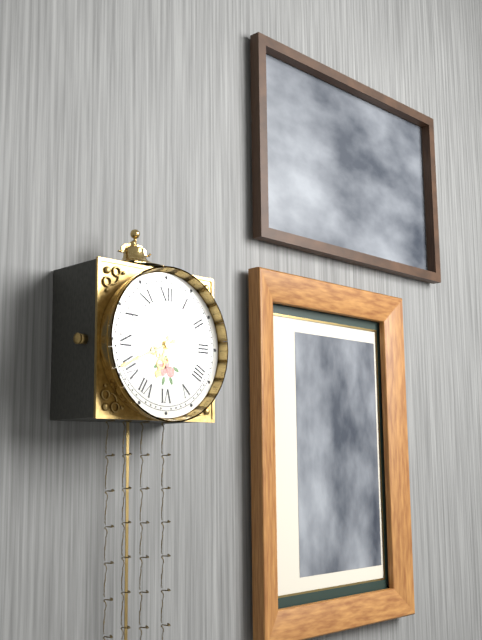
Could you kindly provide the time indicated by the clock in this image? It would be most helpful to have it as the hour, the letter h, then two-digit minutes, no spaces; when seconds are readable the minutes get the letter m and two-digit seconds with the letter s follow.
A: 6h41
